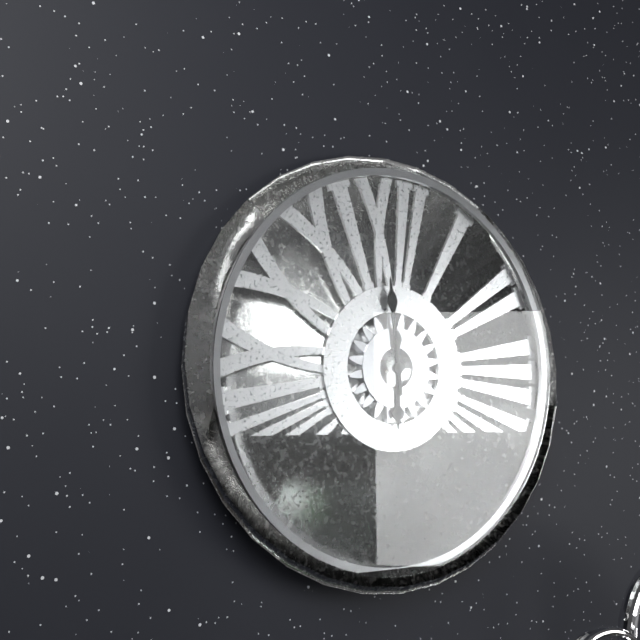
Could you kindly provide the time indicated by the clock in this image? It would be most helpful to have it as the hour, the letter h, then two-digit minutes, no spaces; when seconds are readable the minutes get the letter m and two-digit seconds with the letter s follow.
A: 5h59
